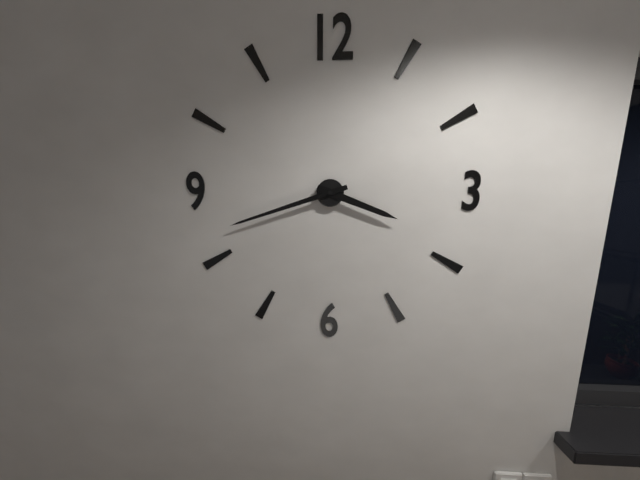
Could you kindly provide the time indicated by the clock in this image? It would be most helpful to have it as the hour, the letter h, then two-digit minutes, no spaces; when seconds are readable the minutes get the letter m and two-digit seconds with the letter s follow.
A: 3h42
